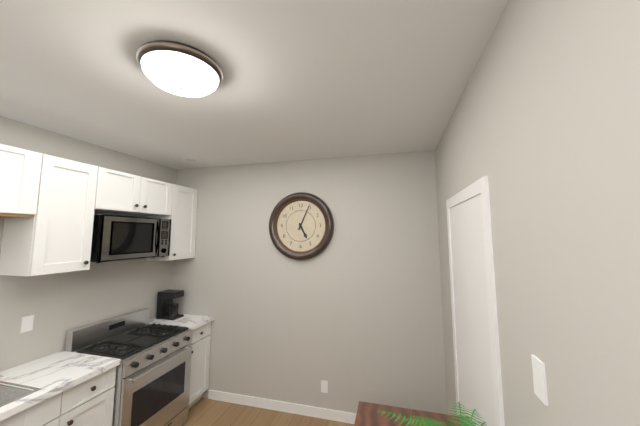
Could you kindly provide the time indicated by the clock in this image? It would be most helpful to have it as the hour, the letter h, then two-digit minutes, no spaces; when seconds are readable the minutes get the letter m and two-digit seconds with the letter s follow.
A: 5h04
